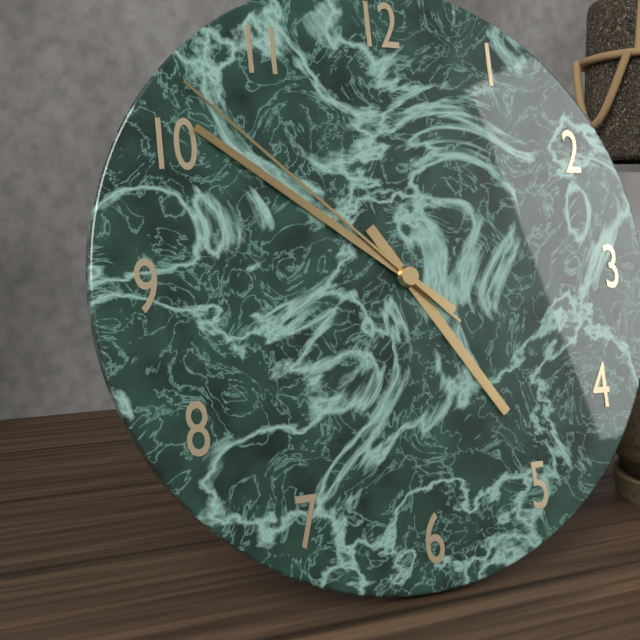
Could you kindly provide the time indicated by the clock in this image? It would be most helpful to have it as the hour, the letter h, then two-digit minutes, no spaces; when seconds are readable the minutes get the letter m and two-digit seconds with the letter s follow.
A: 4h51m52s
